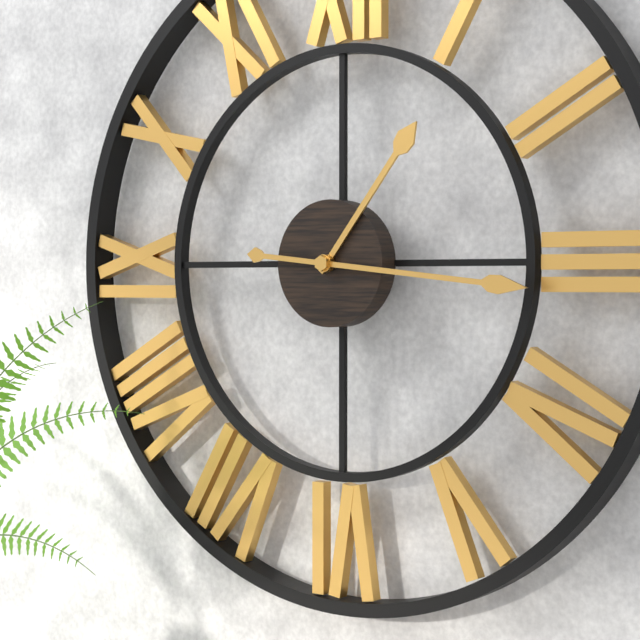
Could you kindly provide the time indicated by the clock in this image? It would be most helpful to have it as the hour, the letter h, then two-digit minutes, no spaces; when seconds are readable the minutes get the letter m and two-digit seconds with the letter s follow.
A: 1h16
